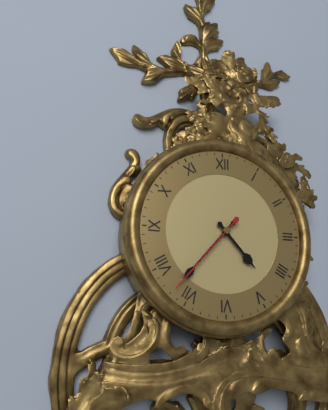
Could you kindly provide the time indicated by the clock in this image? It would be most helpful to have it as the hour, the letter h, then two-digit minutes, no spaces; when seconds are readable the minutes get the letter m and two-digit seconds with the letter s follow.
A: 4h37m37s
